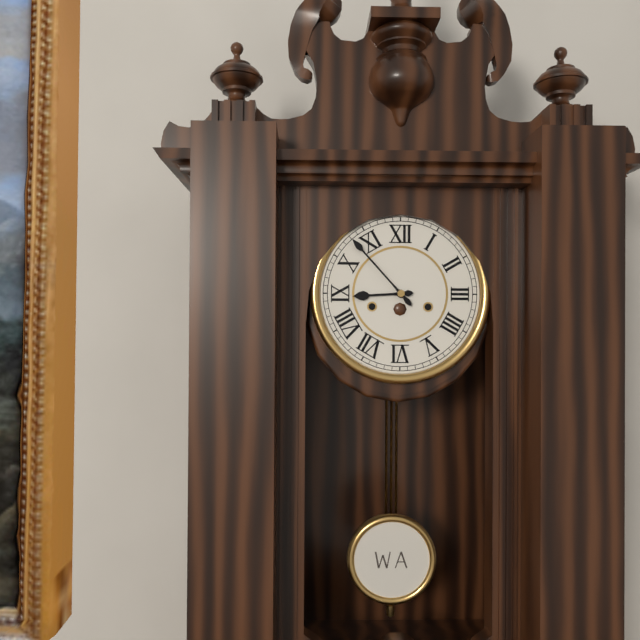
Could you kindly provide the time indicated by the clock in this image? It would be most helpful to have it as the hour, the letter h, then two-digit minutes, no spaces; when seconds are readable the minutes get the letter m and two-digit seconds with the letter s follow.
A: 8h53
